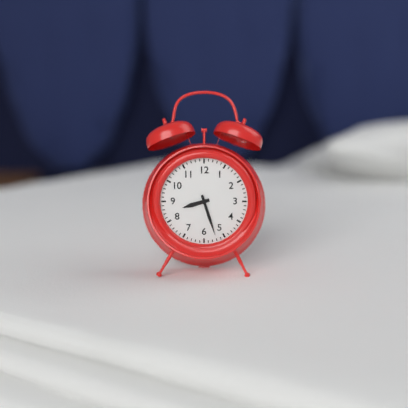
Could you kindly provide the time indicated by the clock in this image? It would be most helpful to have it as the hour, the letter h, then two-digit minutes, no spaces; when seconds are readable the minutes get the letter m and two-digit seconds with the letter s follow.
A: 8h27
